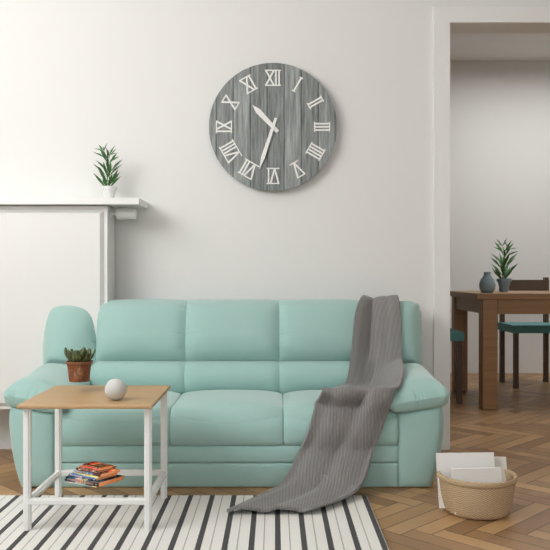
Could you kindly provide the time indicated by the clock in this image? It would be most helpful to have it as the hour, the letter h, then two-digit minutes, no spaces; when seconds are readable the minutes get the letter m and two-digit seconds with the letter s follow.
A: 10h33
